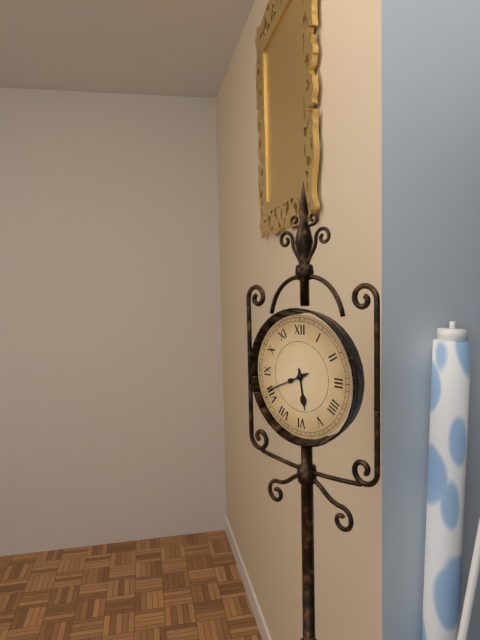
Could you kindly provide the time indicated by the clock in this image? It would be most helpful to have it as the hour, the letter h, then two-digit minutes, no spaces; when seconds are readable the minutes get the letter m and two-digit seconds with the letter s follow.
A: 5h41
